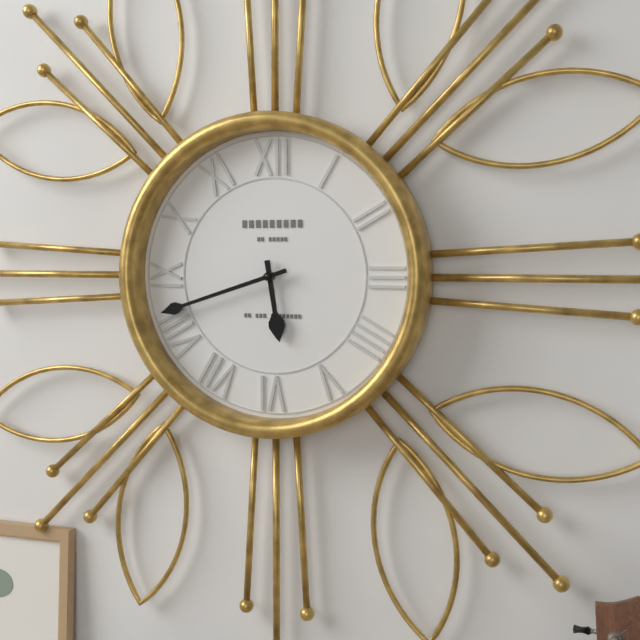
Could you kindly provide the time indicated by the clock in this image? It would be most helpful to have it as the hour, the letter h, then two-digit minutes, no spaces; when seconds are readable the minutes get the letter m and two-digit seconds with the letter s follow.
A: 5h42
